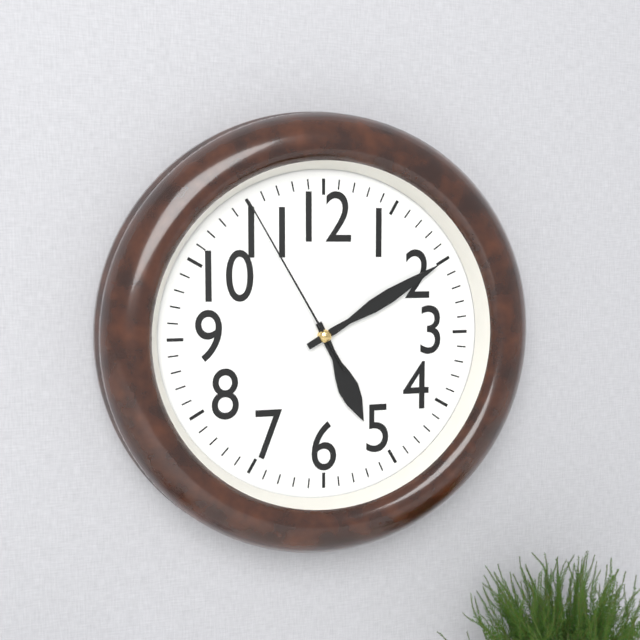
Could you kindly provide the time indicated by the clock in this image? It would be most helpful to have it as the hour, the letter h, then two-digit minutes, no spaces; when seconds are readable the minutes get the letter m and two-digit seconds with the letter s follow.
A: 5h10m55s
